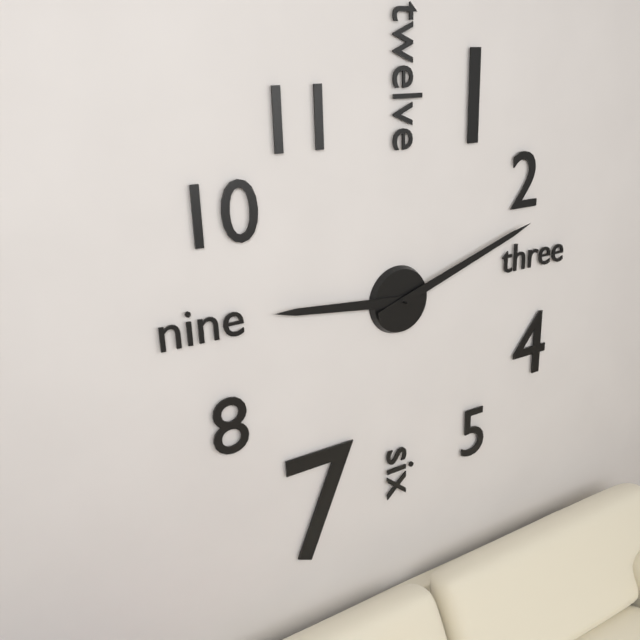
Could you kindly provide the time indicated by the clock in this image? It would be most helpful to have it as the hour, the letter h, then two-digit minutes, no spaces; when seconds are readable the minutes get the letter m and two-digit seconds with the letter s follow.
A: 9h12
